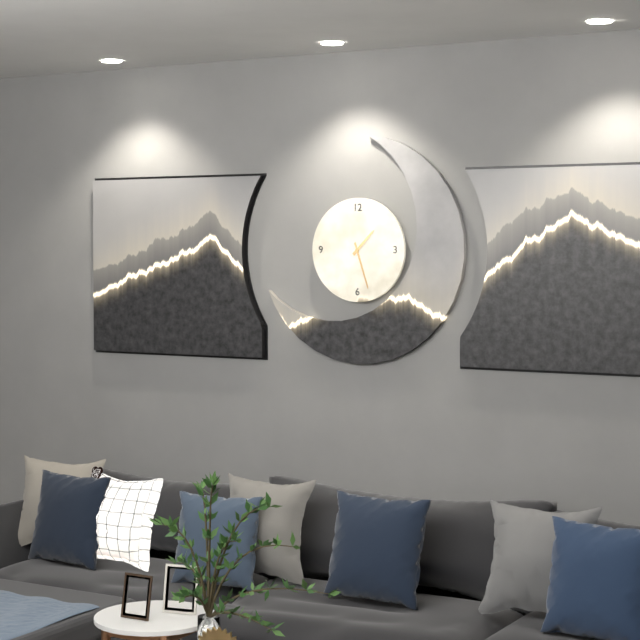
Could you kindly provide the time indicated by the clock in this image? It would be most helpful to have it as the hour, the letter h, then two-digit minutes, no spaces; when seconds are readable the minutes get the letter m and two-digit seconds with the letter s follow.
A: 1h27
